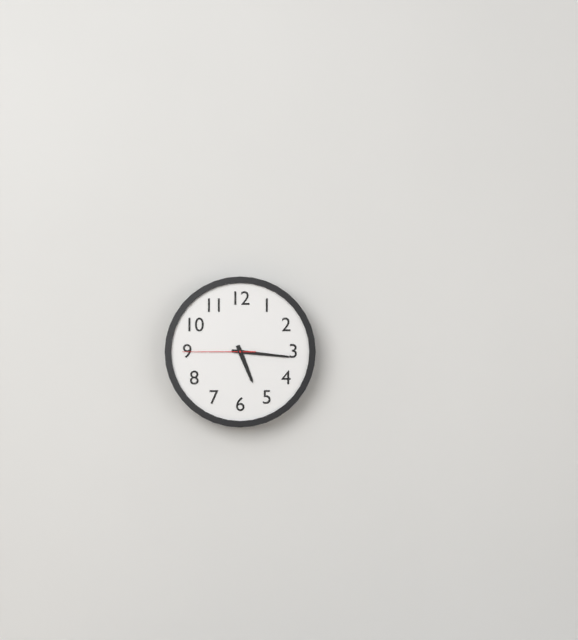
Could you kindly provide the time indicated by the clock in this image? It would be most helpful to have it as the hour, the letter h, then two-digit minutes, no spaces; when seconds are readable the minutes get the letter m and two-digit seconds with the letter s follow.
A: 5h16m45s
